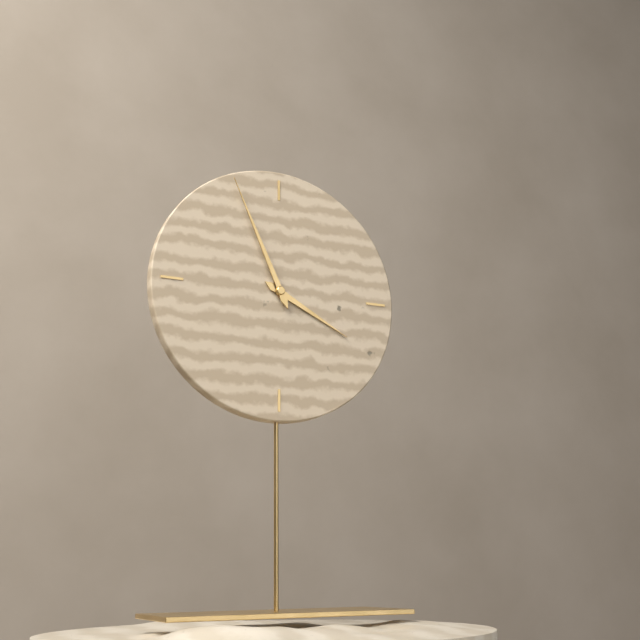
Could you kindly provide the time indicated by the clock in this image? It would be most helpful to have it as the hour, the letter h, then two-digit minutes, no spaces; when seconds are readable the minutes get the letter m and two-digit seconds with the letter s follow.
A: 3h56
